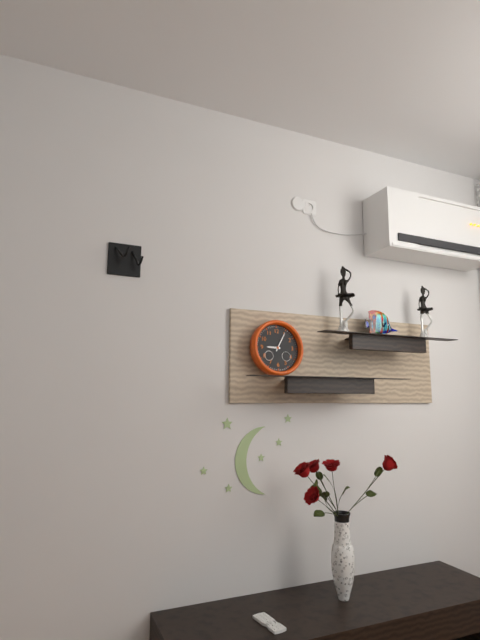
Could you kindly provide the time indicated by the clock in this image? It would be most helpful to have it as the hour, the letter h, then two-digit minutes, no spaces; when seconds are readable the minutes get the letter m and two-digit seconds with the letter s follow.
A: 9h05
